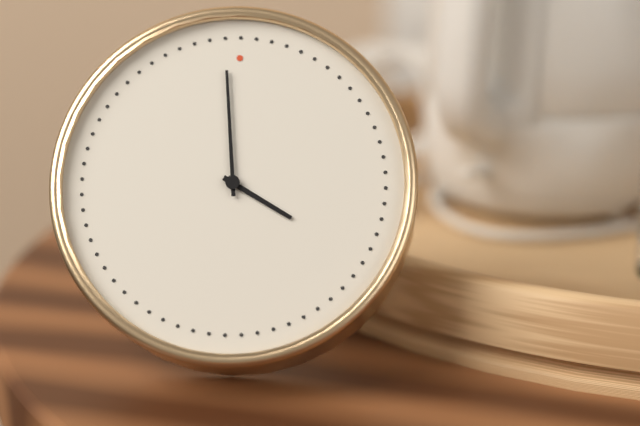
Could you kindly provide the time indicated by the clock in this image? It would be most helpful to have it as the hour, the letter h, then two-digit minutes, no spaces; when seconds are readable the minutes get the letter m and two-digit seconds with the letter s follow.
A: 3h59
